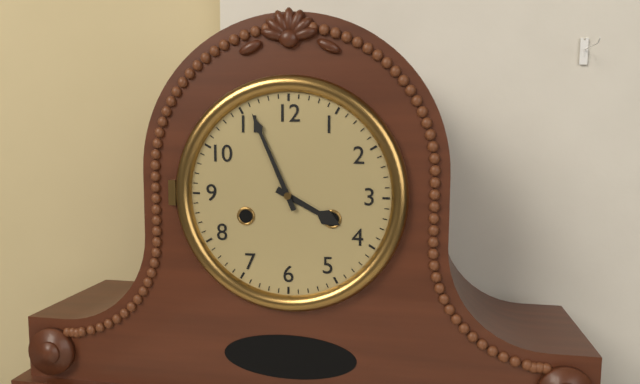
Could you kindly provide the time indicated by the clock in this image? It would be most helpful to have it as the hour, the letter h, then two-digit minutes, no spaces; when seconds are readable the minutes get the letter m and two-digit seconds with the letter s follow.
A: 3h56
